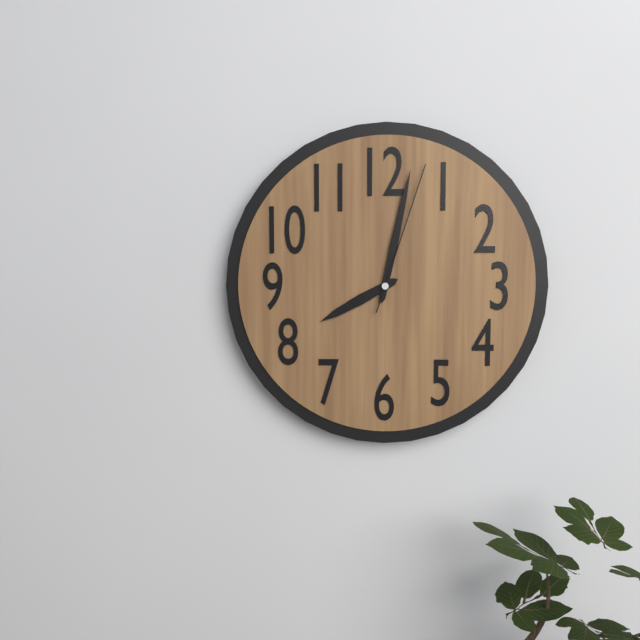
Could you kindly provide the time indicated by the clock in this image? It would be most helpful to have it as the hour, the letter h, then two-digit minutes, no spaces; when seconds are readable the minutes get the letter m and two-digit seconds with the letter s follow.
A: 8h02m03s
